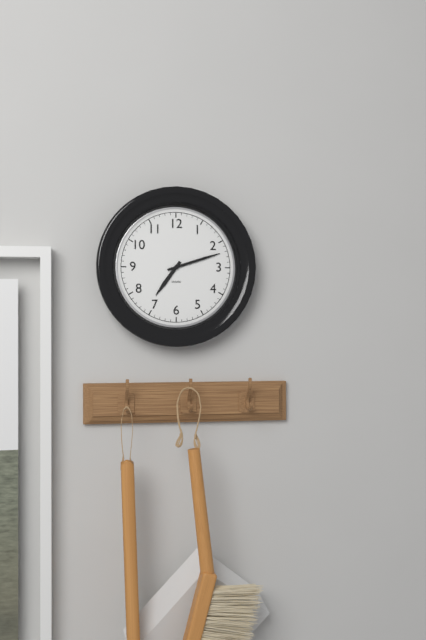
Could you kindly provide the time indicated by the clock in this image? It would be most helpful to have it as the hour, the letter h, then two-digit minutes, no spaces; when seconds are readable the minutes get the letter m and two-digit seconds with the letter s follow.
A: 7h12
